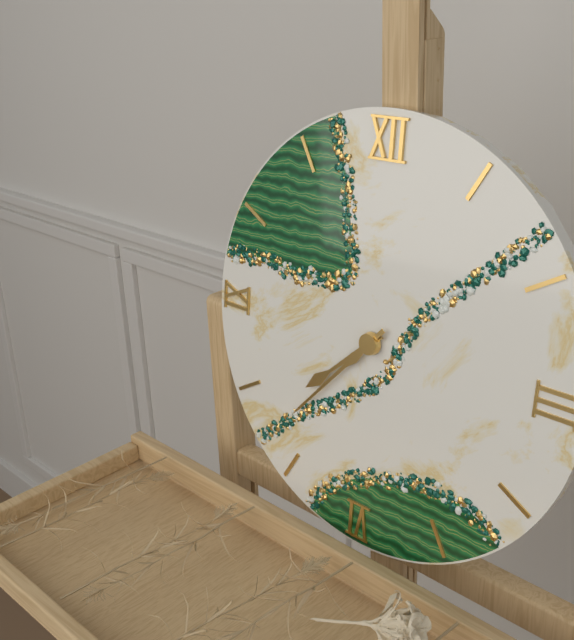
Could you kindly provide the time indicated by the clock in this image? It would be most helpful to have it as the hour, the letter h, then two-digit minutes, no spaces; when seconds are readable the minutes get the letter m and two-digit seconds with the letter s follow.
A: 7h37
